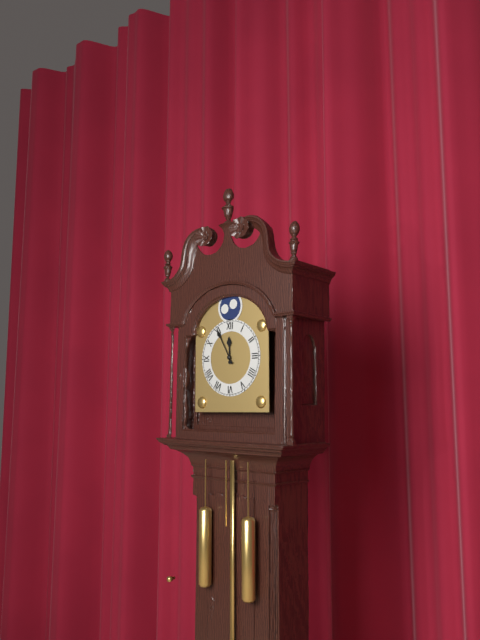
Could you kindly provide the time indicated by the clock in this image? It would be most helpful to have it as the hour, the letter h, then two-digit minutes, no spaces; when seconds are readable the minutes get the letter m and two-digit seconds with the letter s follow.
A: 11h55
